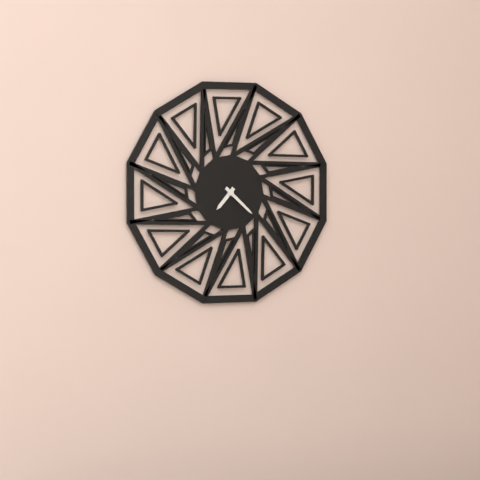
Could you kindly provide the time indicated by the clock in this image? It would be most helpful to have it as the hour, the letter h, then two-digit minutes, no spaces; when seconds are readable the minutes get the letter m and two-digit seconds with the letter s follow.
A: 7h22
